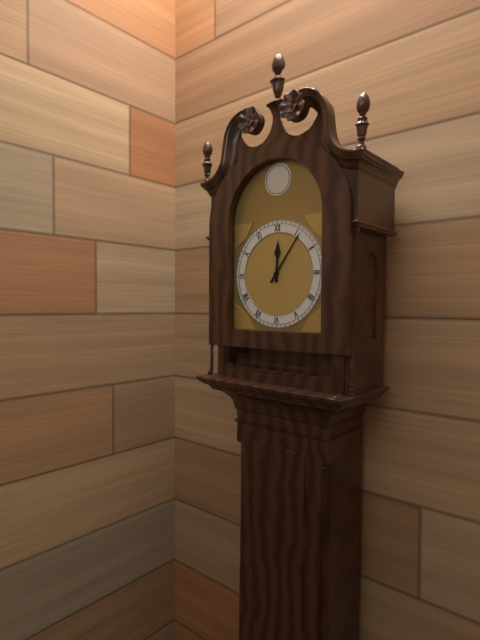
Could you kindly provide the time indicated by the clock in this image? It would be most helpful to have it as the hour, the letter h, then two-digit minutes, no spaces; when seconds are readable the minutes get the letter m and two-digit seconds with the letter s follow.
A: 12h06
